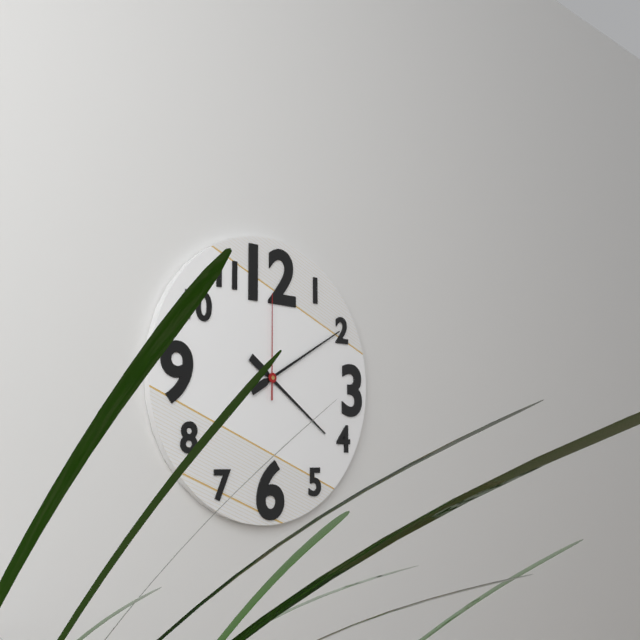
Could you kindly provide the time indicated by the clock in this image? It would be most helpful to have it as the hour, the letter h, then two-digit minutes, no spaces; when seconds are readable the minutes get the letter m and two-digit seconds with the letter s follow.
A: 4h10m00s
